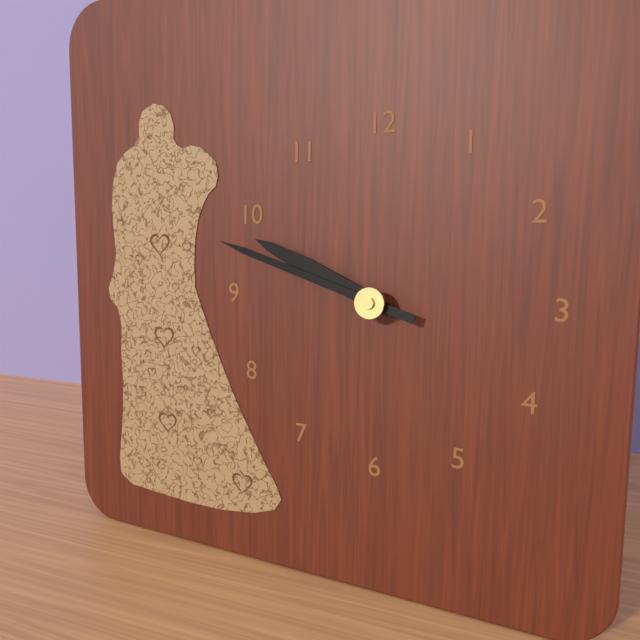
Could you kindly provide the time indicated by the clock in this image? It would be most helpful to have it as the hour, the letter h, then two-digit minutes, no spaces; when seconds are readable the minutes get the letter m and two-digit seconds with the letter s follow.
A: 9h48
